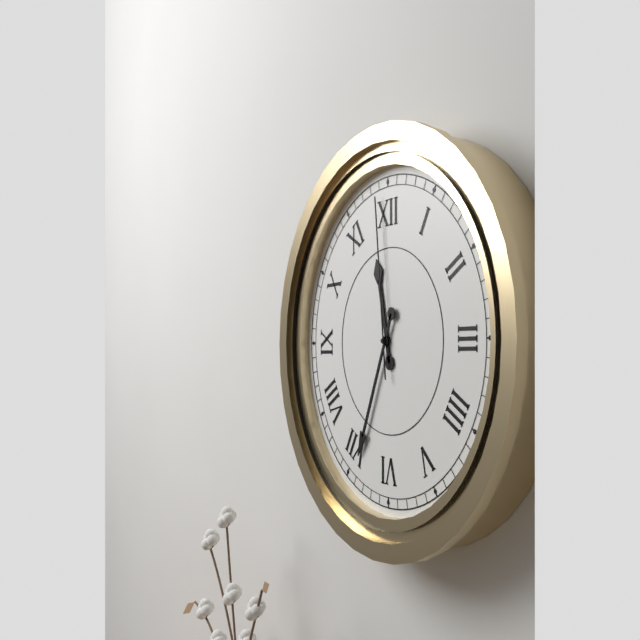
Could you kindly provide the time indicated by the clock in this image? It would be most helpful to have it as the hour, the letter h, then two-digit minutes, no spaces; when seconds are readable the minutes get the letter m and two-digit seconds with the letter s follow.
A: 11h34m59s
